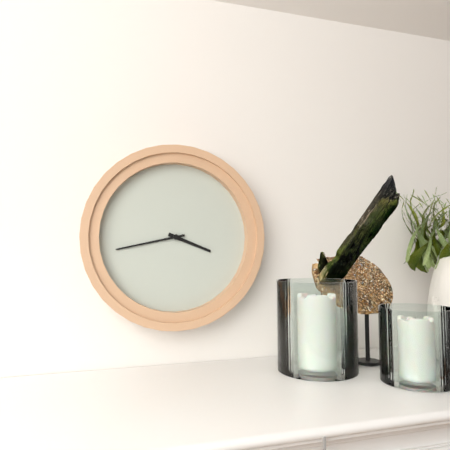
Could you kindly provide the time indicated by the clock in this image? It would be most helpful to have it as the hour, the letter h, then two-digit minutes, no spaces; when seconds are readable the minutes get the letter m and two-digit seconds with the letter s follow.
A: 3h43
